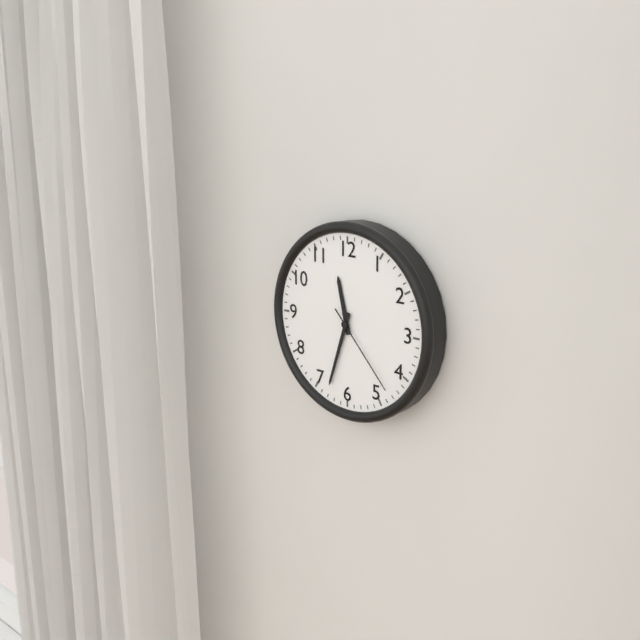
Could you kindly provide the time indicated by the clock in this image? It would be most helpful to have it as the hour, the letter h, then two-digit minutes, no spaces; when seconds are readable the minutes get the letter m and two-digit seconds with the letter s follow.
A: 11h33m23s
